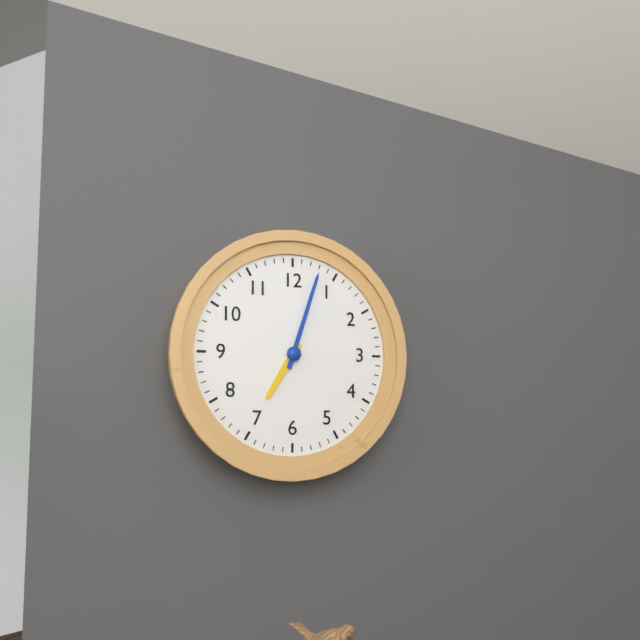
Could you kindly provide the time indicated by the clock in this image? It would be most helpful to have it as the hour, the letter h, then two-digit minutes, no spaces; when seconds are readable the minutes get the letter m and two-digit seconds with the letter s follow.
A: 7h03
